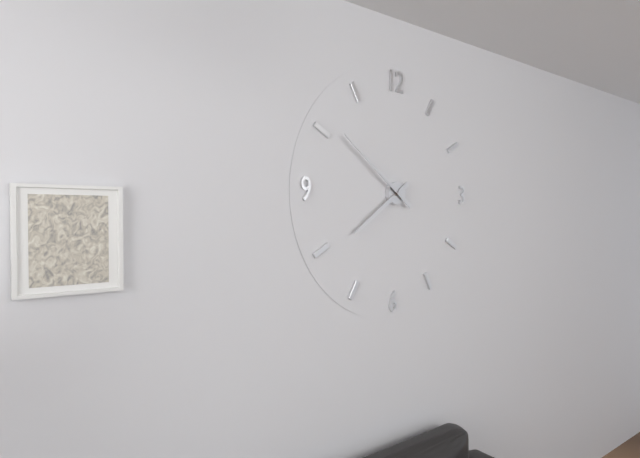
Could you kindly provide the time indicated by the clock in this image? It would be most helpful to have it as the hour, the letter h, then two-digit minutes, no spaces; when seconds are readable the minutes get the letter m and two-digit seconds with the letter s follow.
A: 7h51
